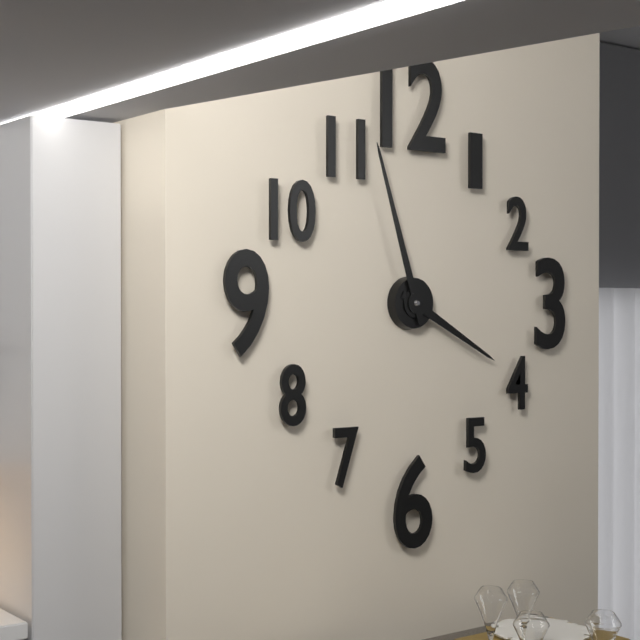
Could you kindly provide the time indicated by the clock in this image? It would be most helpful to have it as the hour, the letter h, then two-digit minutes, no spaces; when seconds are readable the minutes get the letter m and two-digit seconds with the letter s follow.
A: 3h57
